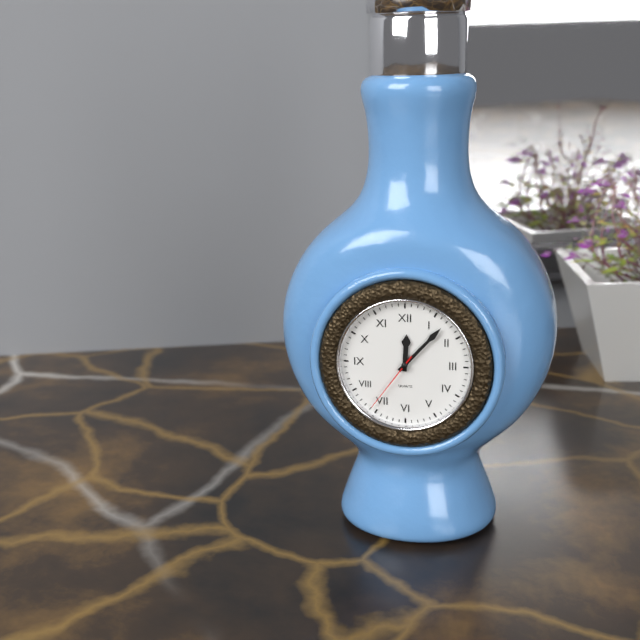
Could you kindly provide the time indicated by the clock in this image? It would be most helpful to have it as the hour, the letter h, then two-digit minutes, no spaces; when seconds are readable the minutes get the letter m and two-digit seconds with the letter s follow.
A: 12h07m36s
